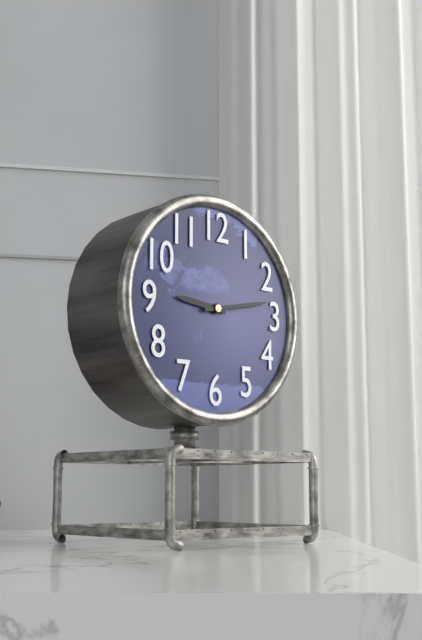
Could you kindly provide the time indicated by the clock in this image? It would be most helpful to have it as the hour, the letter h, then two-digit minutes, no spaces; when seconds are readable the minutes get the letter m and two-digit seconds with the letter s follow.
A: 9h13
